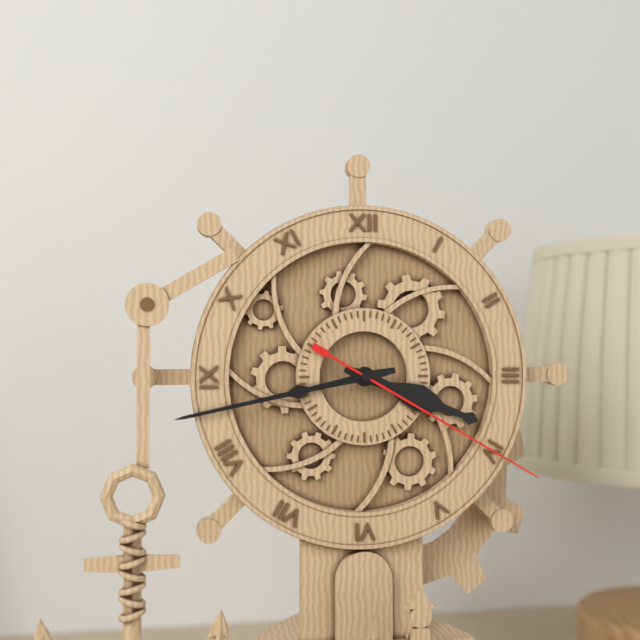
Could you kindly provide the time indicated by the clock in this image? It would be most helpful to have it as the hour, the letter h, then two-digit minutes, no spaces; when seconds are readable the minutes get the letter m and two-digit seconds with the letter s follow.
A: 3h43m20s
